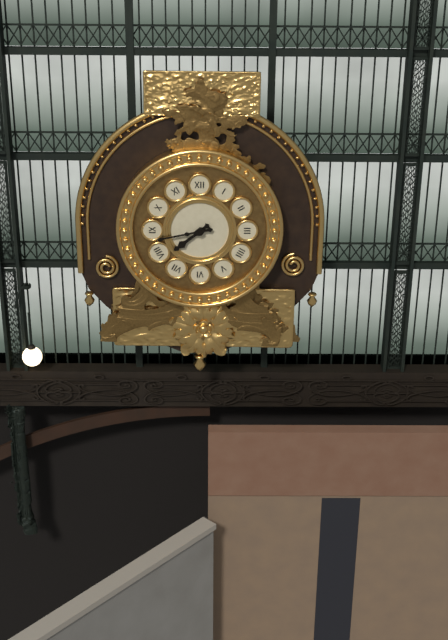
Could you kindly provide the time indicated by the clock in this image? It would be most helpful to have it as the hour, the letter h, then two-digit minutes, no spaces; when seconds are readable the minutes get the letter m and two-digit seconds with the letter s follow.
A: 7h43
